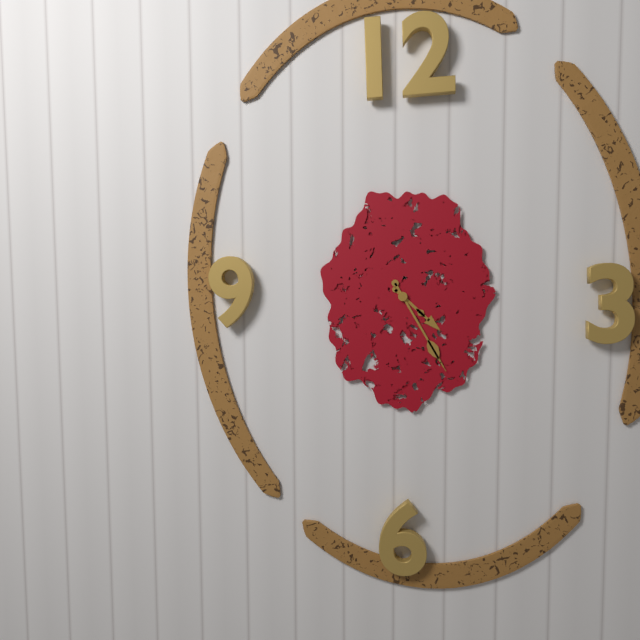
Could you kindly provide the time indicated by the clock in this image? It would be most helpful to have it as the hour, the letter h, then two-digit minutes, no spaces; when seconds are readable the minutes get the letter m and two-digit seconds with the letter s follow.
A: 4h25
